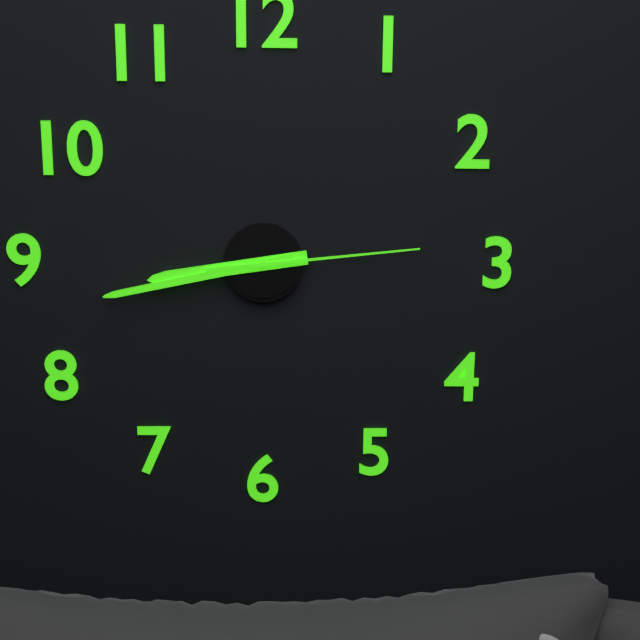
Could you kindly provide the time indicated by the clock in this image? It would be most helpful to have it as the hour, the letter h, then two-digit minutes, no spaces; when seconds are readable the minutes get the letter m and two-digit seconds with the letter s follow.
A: 8h43m14s
